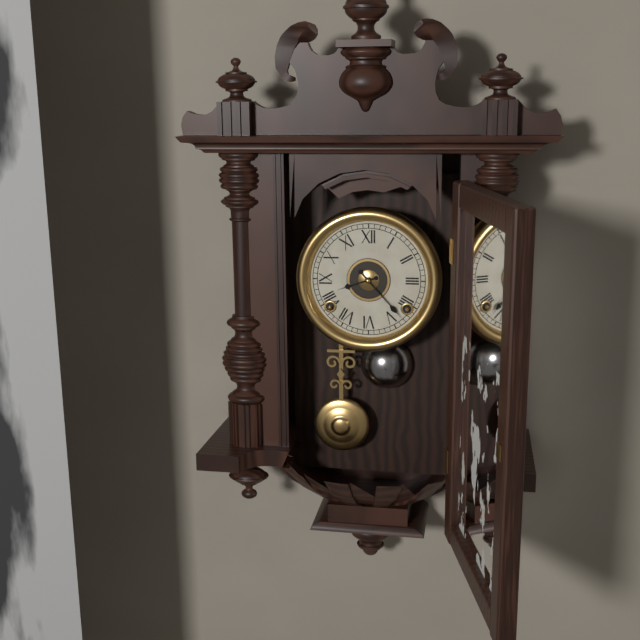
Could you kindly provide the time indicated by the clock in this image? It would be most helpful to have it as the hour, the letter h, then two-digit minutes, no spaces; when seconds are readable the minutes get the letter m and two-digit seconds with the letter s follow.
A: 8h23
